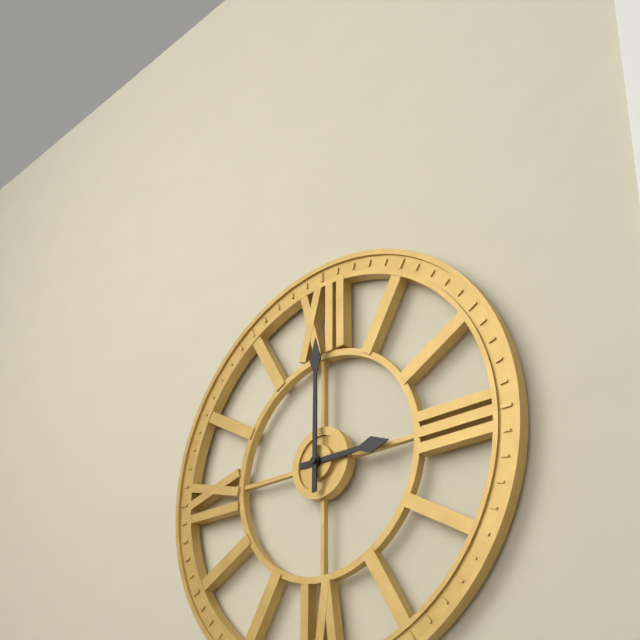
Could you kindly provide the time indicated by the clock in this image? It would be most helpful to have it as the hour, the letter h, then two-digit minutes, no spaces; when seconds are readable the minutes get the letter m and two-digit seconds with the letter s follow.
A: 3h00
